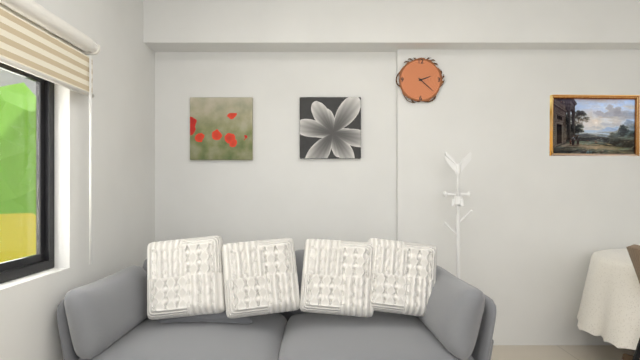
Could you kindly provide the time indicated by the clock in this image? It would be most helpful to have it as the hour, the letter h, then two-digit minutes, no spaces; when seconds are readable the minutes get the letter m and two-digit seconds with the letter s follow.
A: 2h22
